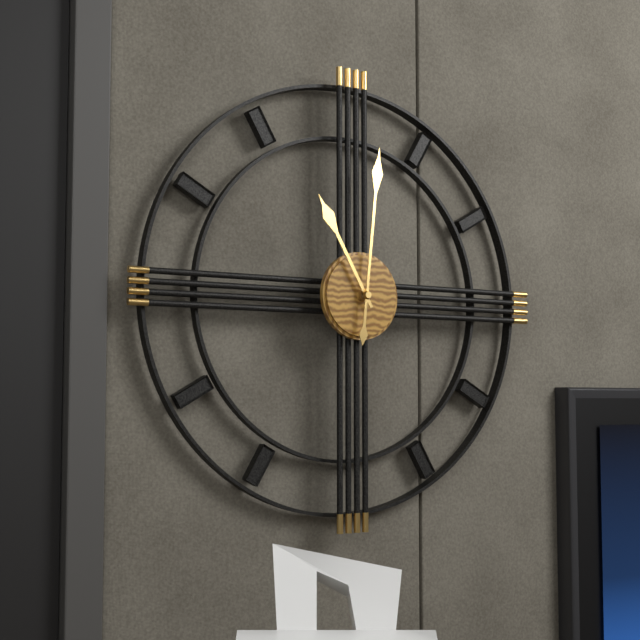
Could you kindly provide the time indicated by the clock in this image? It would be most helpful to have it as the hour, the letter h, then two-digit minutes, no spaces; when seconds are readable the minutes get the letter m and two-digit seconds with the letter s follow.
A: 11h01
